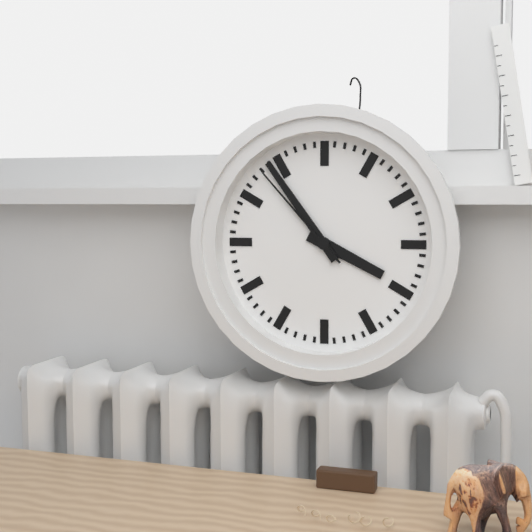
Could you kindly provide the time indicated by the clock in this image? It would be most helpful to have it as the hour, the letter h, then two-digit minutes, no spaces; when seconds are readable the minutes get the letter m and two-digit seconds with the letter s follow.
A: 3h54m53s
